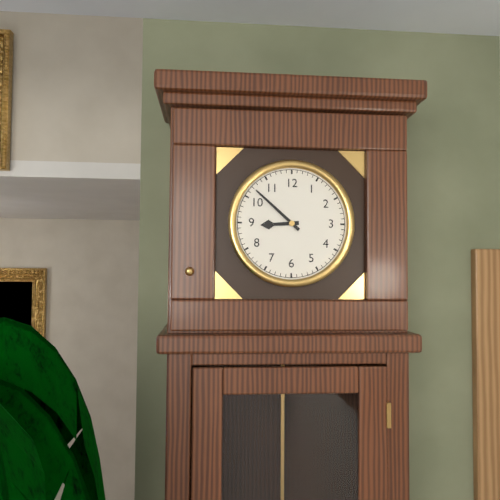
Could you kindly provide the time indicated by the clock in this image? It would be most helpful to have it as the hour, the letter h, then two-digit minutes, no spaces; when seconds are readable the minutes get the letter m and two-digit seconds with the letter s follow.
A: 8h52
